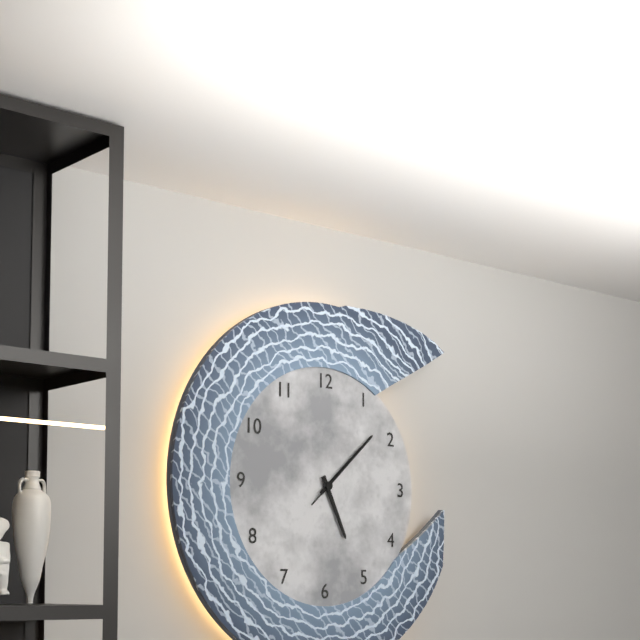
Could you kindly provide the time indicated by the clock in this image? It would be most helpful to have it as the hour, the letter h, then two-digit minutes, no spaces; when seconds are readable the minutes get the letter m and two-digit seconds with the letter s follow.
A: 5h08m08s
